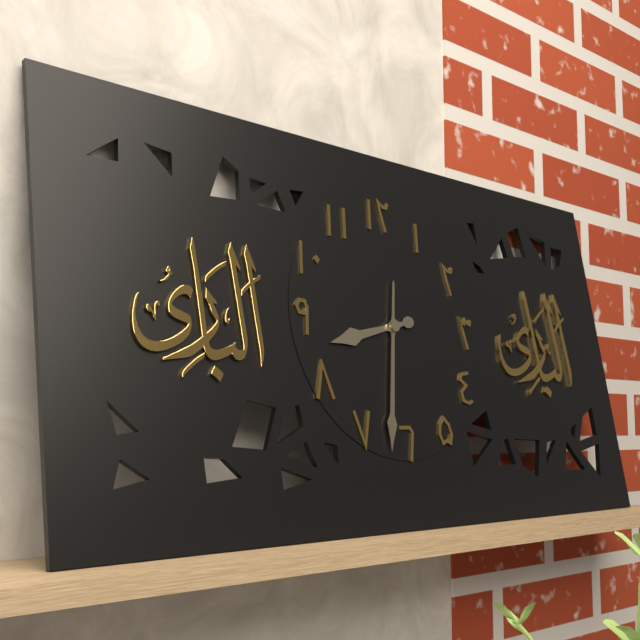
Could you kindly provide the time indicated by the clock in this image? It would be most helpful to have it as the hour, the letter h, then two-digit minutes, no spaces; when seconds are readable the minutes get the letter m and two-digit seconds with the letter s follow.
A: 8h32
